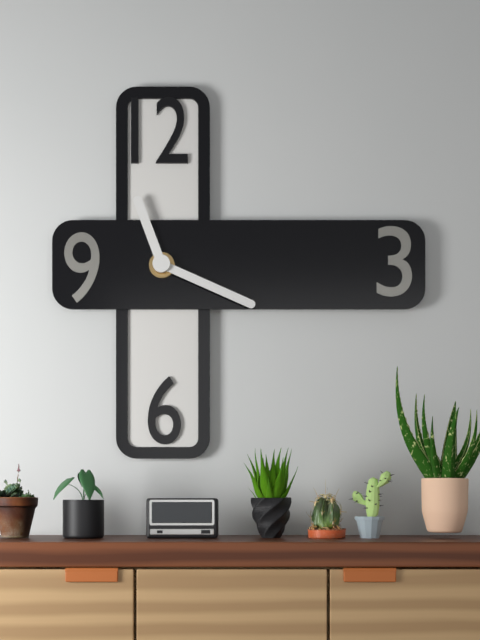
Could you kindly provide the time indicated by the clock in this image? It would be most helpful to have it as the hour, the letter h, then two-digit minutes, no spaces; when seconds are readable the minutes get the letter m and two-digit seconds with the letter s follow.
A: 11h19
